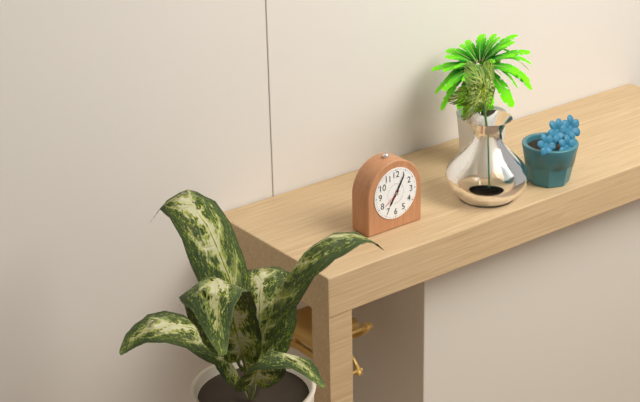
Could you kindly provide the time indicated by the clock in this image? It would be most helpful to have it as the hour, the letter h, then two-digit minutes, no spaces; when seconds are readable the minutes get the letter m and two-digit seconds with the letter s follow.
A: 7h05
